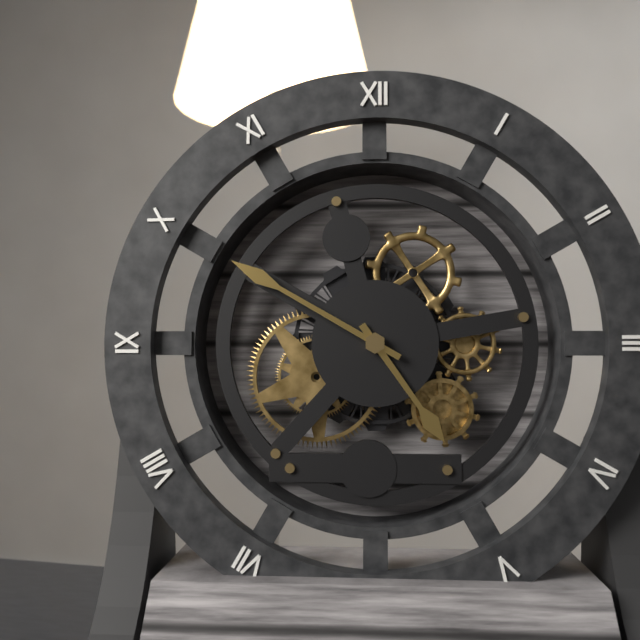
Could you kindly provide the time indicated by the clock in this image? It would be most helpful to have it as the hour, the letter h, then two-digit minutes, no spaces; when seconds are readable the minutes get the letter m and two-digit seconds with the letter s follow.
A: 4h50
